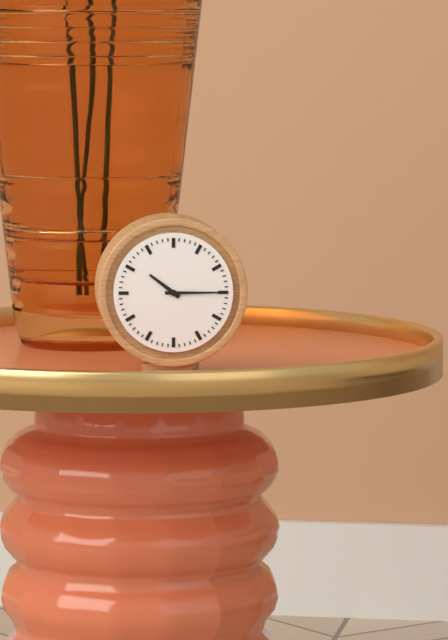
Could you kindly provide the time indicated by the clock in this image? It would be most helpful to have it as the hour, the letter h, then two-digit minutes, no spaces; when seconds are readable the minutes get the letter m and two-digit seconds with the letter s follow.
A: 10h15
